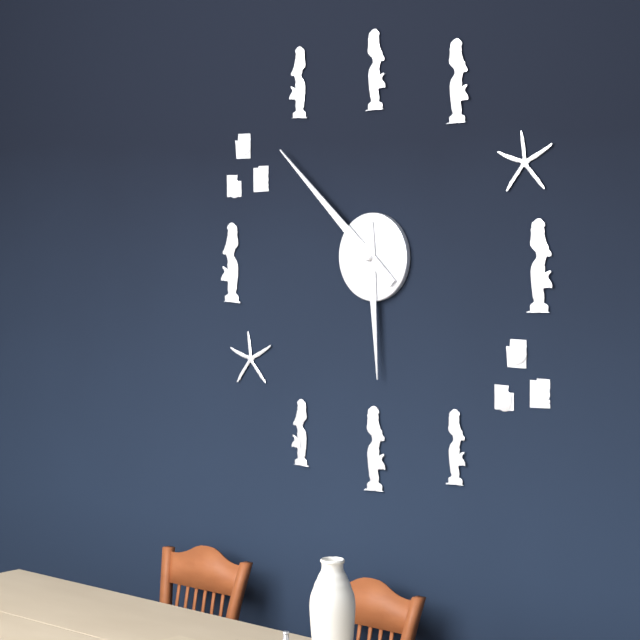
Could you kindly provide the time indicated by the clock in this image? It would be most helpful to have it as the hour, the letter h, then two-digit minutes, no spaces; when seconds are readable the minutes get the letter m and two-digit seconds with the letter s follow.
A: 5h52
